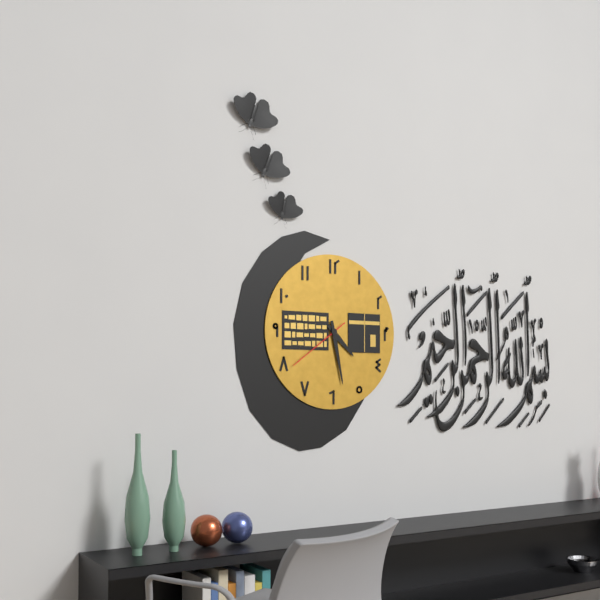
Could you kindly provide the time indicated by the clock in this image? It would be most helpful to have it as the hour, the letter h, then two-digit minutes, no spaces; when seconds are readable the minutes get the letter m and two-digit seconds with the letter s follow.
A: 4h28m39s
